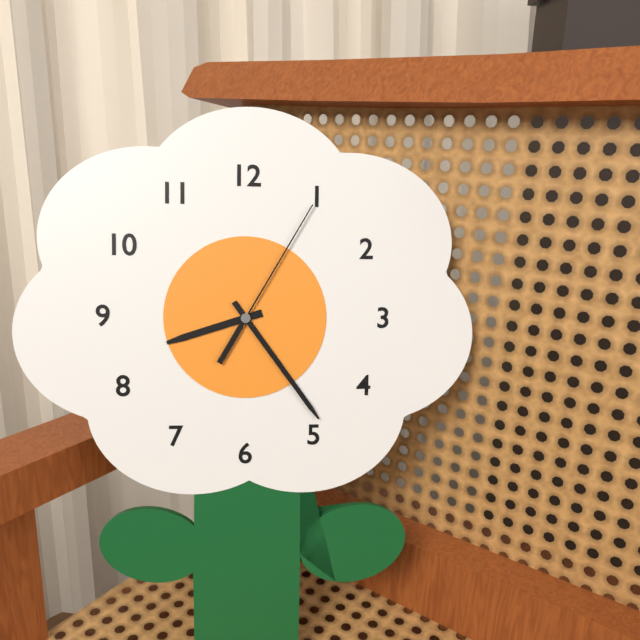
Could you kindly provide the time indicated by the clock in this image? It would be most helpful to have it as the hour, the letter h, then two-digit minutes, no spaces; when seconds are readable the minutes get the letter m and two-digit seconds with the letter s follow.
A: 8h24m05s
